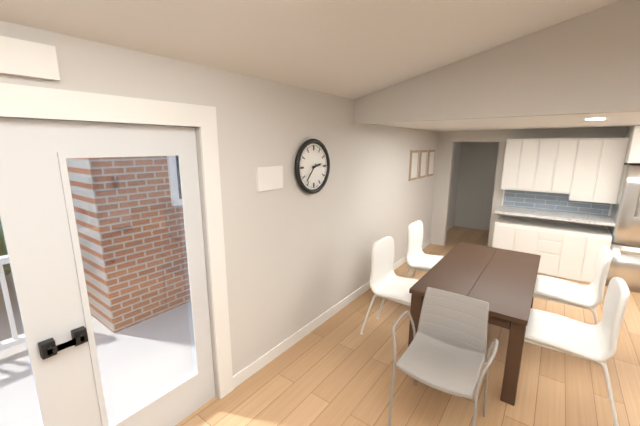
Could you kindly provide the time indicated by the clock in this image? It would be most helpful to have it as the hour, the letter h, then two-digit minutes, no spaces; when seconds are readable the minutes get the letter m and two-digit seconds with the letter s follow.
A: 2h37
